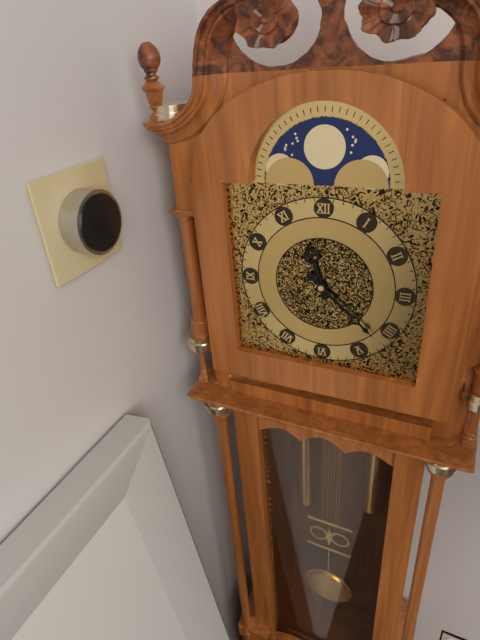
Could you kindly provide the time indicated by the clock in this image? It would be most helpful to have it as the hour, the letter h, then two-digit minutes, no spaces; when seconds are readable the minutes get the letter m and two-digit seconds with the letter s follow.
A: 11h22
